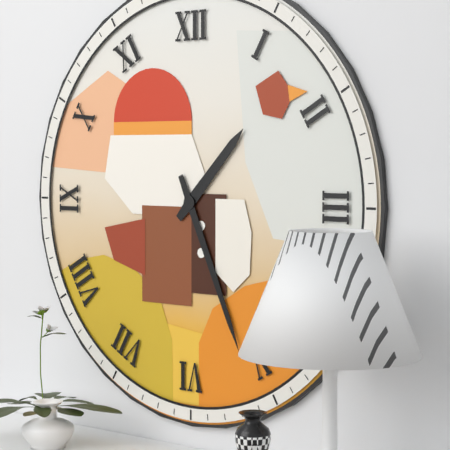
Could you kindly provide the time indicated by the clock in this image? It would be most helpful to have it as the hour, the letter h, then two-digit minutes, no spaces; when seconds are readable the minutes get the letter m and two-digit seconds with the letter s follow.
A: 1h26
